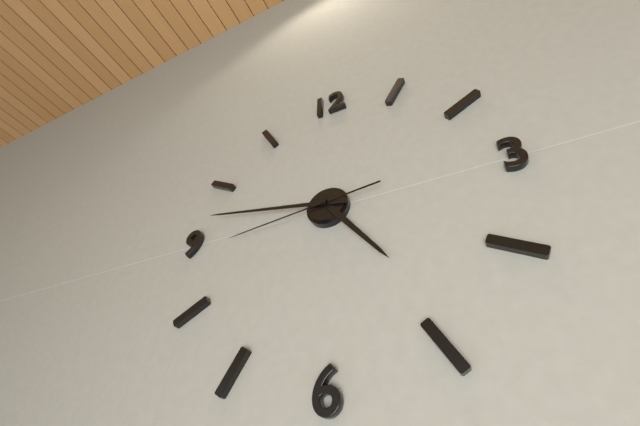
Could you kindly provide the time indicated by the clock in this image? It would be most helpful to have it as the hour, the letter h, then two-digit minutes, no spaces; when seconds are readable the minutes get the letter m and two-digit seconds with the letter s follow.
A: 4h47m44s
